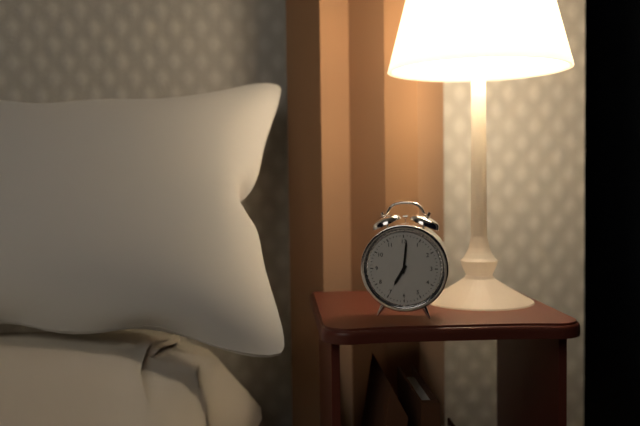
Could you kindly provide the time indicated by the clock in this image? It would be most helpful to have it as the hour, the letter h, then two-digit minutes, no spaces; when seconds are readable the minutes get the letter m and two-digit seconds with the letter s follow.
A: 7h01
